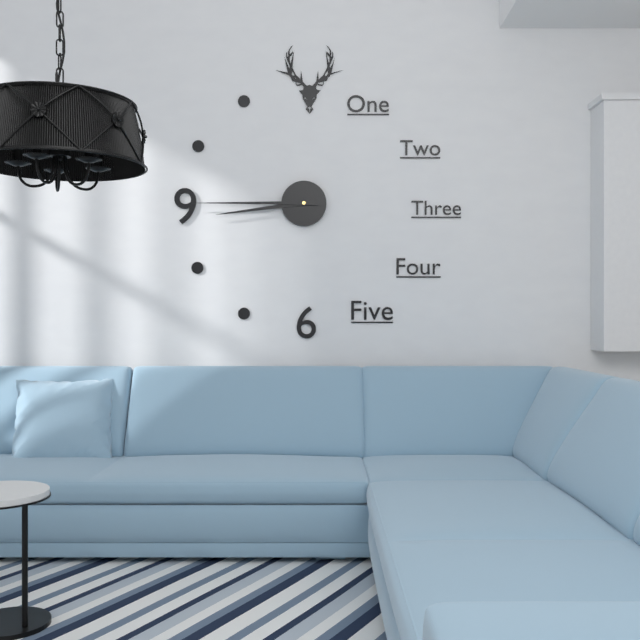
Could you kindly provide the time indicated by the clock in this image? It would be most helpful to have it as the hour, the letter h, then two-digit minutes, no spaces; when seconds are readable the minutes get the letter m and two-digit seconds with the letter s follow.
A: 8h45
